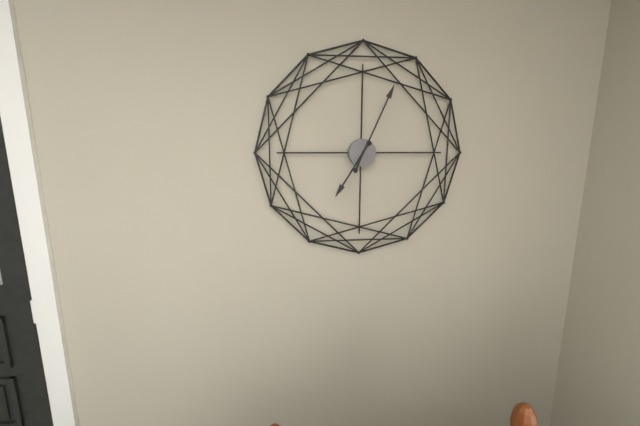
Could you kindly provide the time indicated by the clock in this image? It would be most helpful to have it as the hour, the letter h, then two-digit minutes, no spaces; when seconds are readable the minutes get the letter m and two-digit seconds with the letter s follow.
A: 7h04
